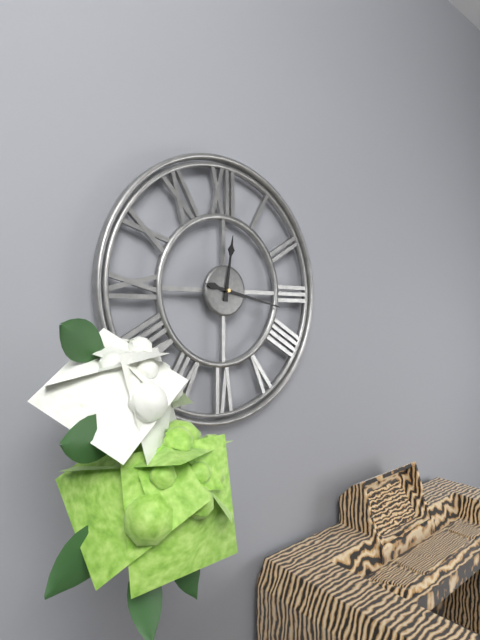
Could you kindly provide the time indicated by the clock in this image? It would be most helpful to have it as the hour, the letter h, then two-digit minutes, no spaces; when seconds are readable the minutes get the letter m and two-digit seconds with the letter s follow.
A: 12h17
